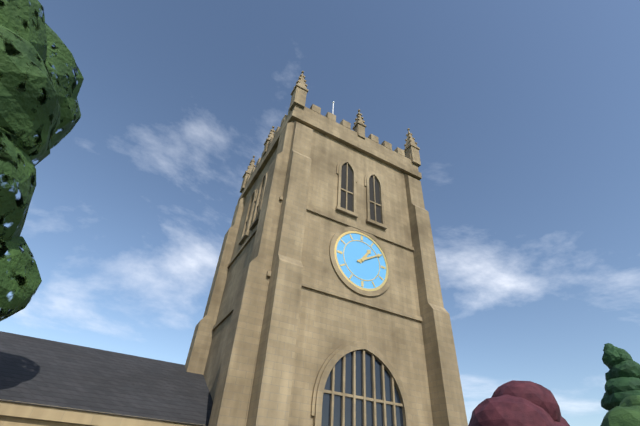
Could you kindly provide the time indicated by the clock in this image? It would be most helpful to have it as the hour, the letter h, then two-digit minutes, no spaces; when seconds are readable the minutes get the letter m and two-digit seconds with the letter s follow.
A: 1h10
